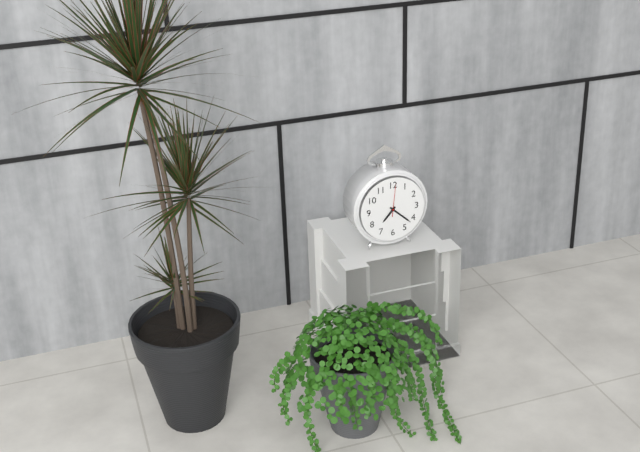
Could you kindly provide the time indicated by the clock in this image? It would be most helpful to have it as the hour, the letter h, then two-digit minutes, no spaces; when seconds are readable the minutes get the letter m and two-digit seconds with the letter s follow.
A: 7h22
